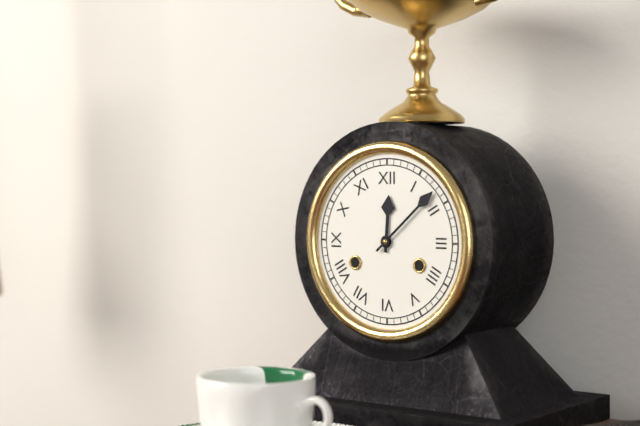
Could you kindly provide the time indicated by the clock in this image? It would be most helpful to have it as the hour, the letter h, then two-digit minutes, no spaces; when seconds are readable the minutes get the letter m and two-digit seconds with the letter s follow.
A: 12h08
